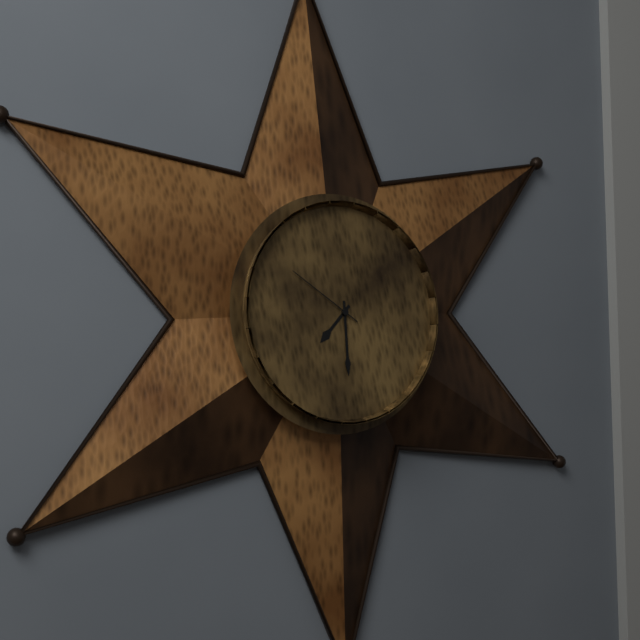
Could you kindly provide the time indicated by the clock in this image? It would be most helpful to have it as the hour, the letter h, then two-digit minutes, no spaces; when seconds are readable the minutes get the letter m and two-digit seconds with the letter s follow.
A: 7h30m51s
